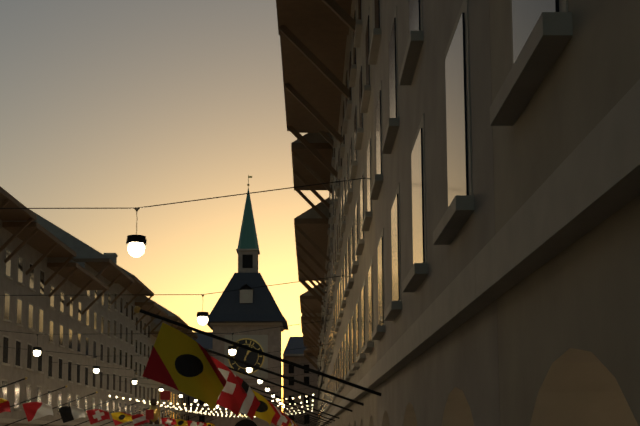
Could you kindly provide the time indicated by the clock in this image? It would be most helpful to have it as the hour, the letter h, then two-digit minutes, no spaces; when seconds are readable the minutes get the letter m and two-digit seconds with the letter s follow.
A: 1h03
